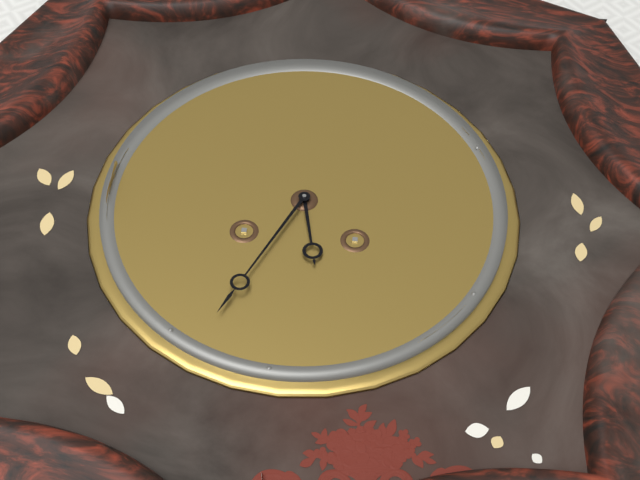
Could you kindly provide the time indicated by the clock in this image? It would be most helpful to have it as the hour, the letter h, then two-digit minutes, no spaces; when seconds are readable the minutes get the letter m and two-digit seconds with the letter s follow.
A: 5h34
